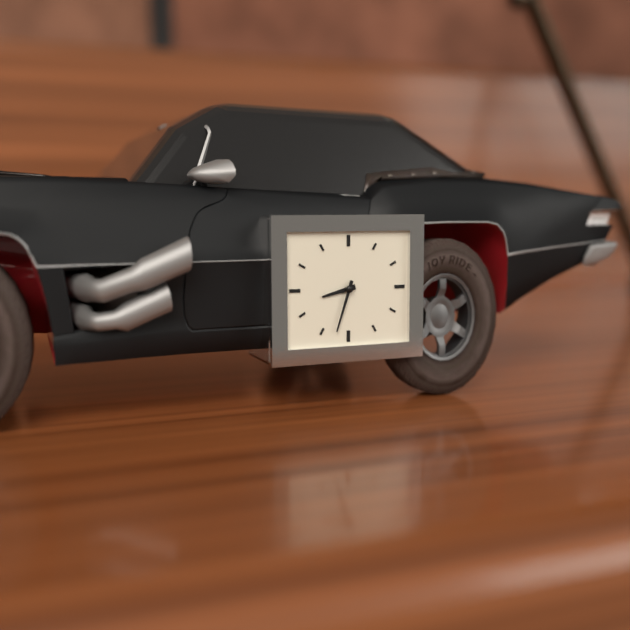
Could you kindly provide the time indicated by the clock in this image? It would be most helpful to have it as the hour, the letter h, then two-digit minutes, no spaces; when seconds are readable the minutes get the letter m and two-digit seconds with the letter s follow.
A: 8h33
